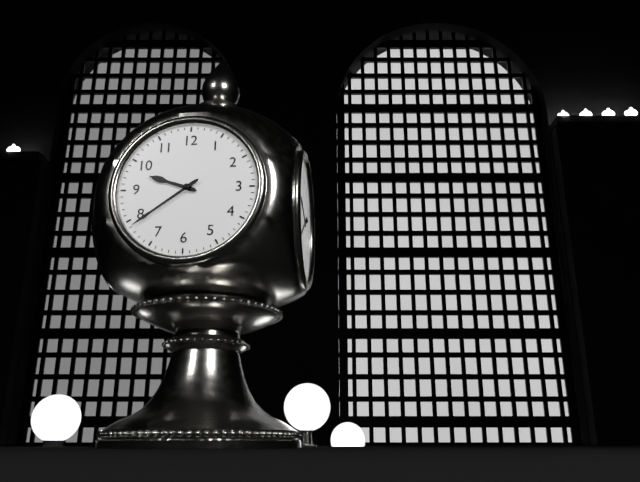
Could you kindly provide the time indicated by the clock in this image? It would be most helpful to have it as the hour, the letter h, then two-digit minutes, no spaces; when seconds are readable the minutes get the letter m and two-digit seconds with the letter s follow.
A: 9h39
